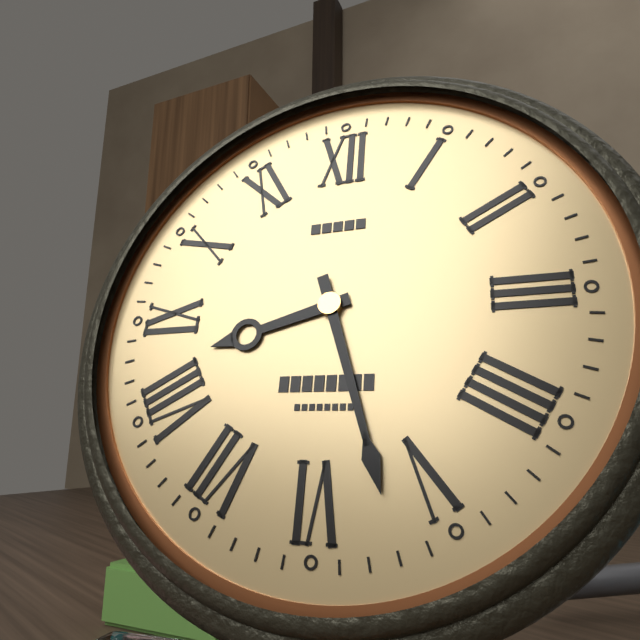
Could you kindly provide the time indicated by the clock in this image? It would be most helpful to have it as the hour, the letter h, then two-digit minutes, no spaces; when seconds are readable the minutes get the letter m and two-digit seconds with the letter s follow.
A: 8h27
